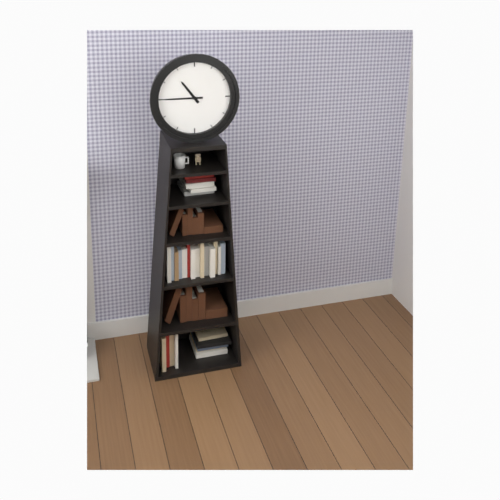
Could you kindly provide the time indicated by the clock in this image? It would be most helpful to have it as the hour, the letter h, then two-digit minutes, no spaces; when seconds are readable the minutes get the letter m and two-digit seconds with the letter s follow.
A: 10h45
